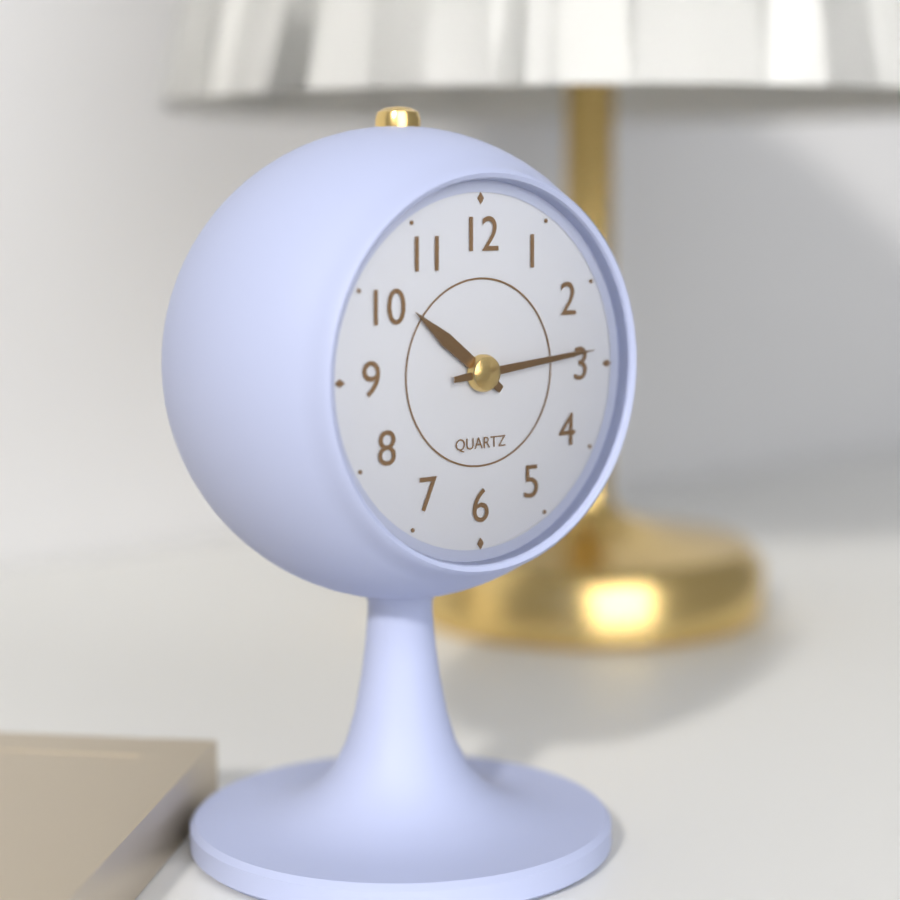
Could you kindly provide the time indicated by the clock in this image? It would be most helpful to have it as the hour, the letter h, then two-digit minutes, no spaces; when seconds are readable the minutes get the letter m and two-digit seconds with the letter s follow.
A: 10h14
